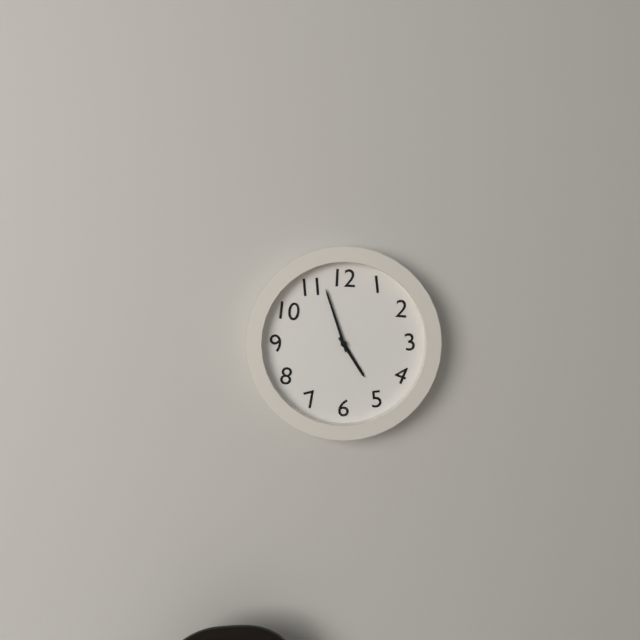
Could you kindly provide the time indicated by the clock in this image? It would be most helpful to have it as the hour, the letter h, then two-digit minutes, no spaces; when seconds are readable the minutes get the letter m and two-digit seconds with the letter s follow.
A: 4h57
